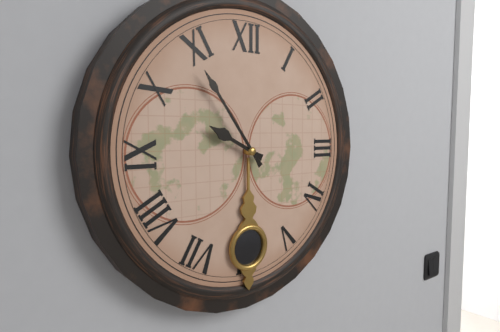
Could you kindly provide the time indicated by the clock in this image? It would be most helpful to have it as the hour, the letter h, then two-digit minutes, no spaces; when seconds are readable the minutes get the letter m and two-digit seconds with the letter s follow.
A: 9h54
